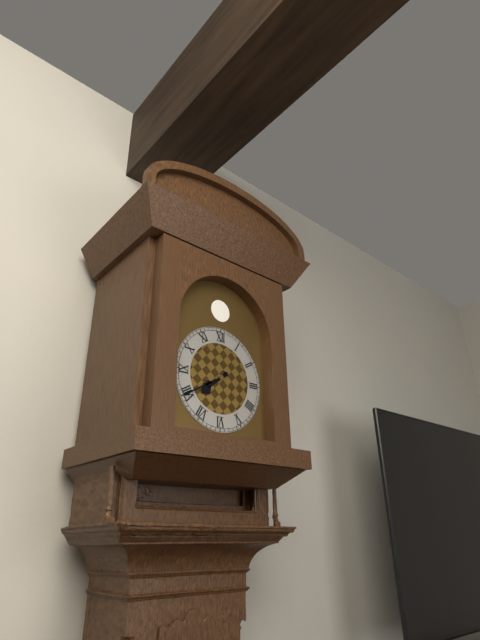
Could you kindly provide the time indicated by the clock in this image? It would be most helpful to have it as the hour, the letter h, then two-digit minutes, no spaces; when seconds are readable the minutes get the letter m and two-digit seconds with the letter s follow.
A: 7h40
